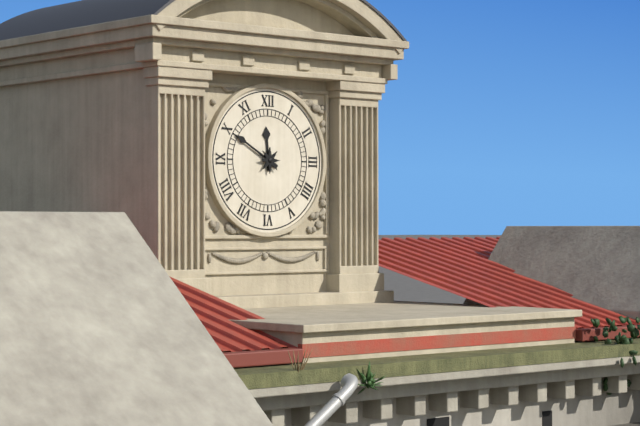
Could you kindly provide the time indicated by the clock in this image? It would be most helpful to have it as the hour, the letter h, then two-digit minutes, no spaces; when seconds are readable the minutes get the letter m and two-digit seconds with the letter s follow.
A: 11h50
